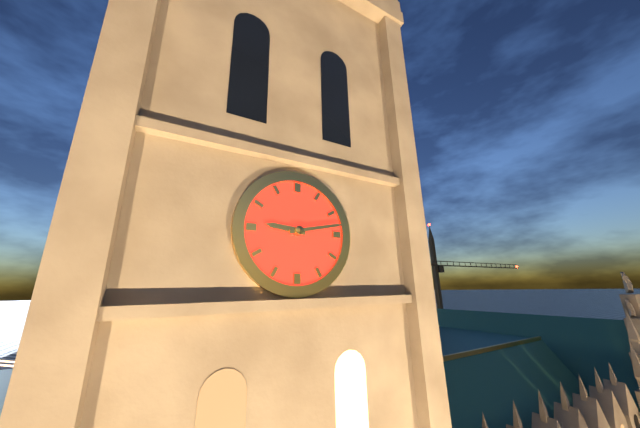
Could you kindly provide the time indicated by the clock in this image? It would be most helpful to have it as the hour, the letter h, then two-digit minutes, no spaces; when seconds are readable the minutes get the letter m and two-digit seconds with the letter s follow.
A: 9h13
